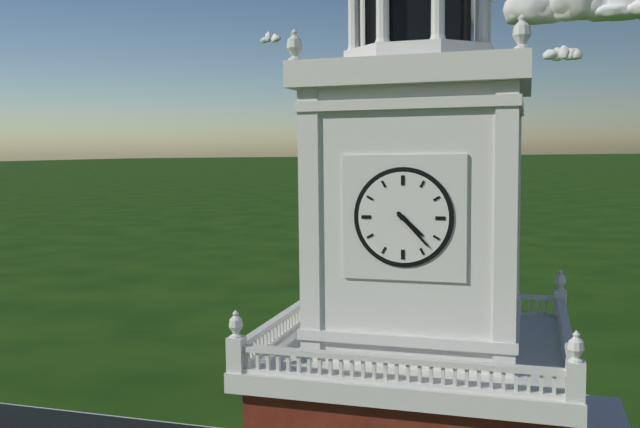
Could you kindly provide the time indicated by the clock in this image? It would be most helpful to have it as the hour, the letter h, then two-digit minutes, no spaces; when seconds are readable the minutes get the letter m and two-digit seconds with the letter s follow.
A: 4h23
